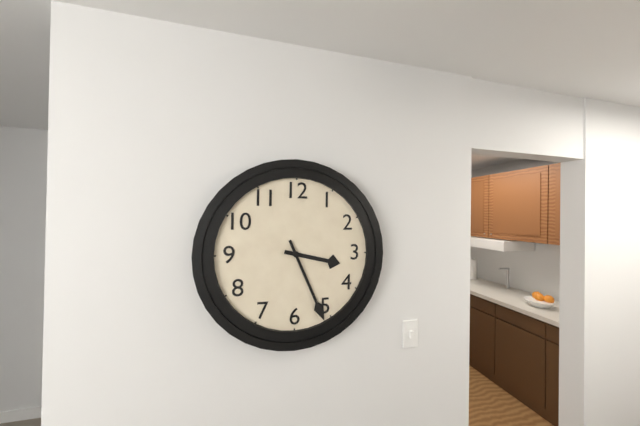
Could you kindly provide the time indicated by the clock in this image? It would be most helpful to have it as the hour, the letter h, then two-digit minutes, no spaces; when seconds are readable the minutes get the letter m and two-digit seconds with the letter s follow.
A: 3h26
